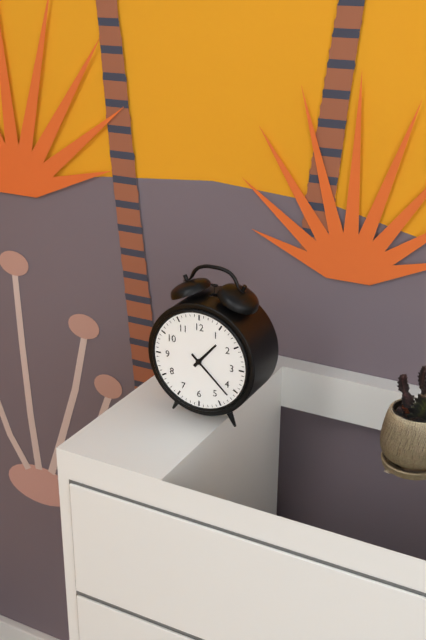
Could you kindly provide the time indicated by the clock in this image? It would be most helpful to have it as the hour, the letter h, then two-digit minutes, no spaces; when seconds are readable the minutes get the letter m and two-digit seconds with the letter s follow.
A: 1h22
